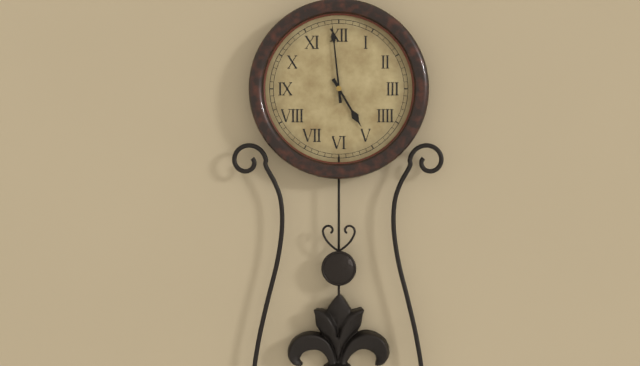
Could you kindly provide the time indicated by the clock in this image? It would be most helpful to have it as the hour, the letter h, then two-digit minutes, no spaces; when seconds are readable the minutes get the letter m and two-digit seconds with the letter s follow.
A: 4h59
